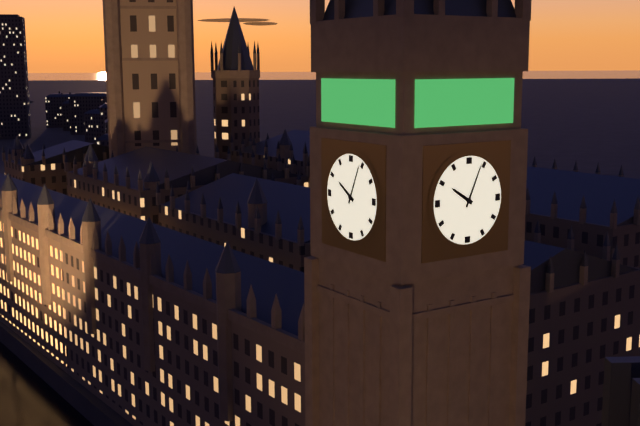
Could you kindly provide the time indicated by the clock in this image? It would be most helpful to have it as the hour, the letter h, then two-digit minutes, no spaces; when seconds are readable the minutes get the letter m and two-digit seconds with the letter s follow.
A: 10h04
